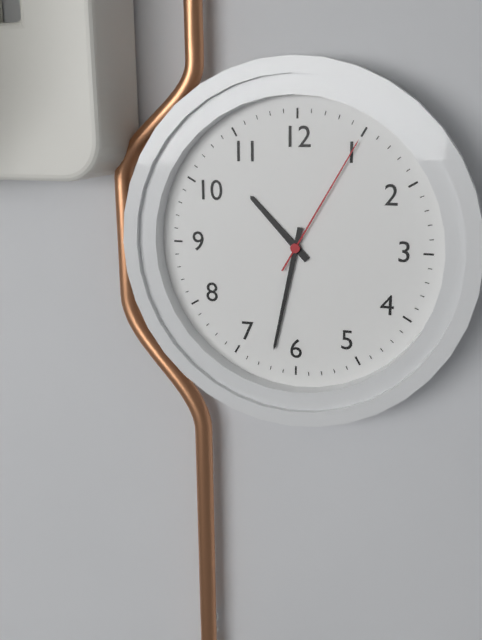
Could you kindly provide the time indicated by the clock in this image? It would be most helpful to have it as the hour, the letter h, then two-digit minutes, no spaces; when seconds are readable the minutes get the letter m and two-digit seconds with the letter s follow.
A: 10h32m05s
